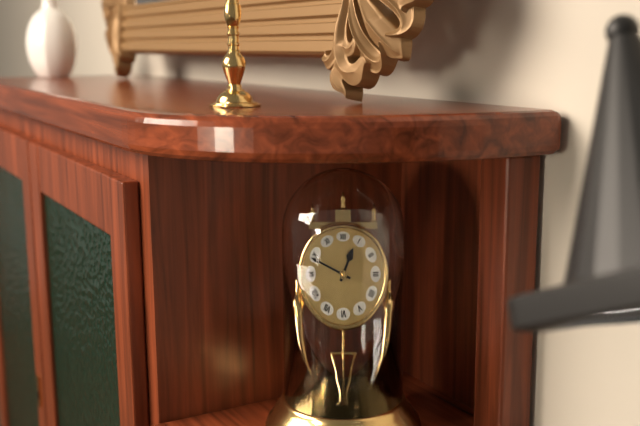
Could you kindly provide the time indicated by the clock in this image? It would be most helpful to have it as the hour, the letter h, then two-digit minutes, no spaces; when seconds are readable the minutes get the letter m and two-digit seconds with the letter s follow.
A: 12h49
